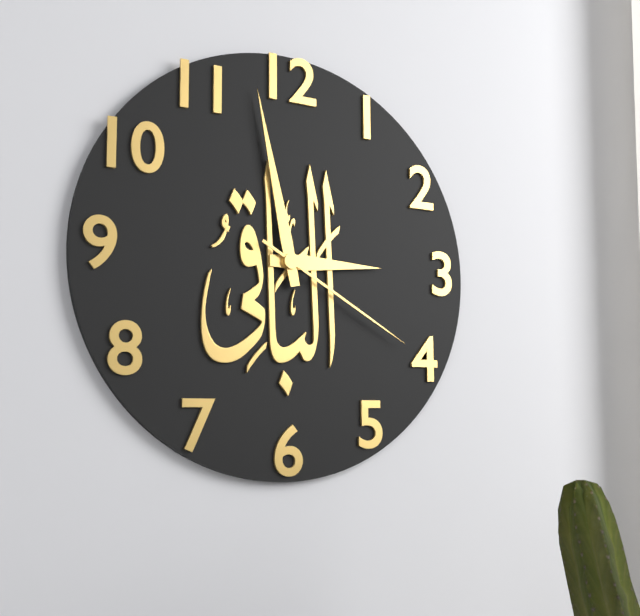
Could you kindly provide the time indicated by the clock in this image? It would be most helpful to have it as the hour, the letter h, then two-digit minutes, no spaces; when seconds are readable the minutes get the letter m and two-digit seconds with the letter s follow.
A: 2h58m20s
